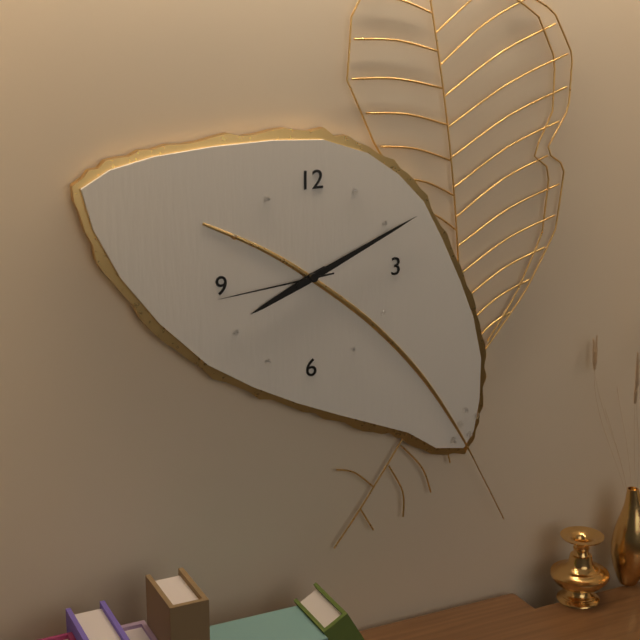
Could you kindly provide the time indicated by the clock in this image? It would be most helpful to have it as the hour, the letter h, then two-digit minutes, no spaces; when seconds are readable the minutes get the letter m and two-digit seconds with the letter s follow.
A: 8h11m44s
